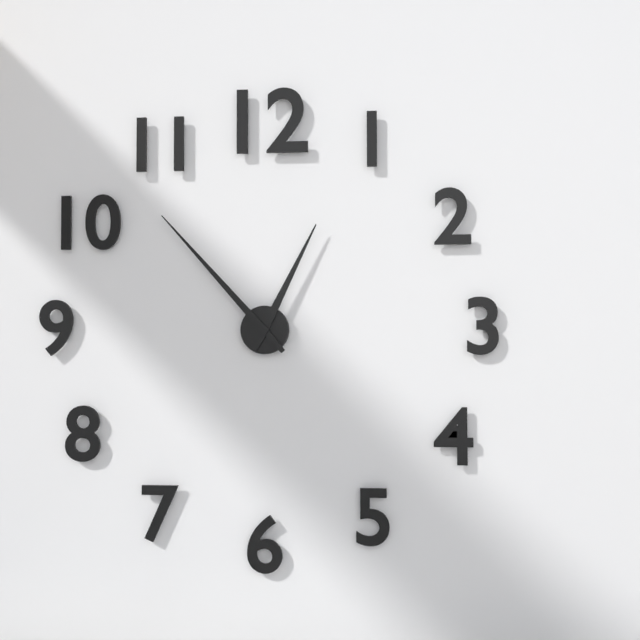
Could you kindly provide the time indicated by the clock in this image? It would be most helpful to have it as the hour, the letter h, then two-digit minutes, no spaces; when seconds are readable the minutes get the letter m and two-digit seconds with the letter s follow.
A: 12h53
